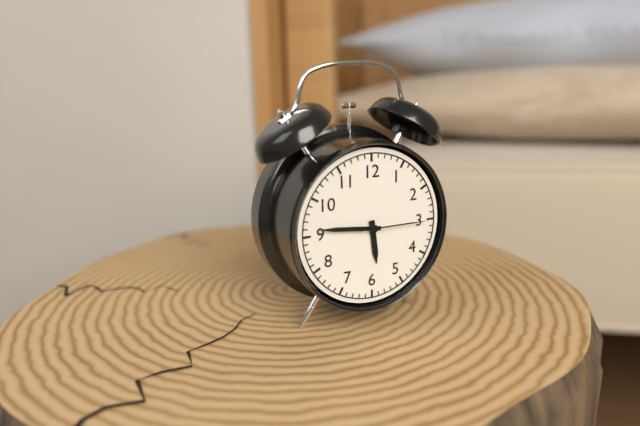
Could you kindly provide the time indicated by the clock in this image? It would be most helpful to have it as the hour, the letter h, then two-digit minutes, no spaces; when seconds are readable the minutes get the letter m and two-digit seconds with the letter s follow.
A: 5h46m15s
